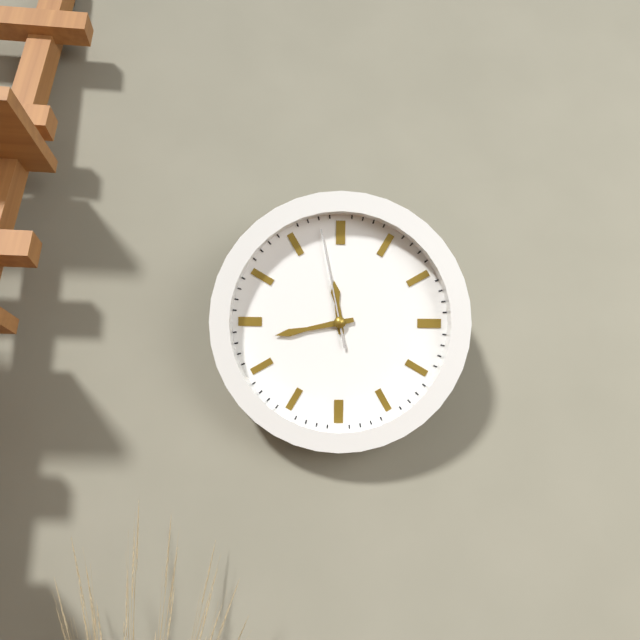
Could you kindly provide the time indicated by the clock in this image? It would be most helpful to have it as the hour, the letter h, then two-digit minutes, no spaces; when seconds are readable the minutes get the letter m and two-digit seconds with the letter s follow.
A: 11h43m58s
